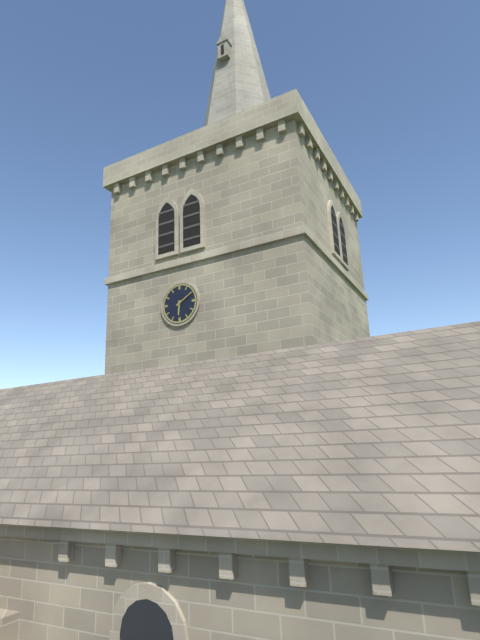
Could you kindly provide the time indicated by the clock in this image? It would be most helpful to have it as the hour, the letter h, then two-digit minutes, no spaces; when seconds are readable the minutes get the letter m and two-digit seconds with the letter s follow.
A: 6h10
